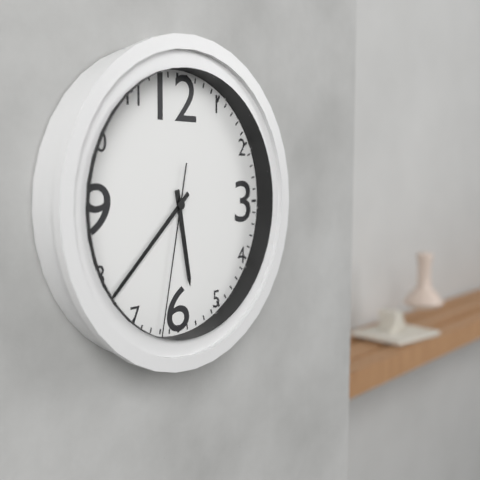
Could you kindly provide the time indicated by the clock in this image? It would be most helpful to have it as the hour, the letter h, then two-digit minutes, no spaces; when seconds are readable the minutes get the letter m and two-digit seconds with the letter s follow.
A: 5h38m32s
